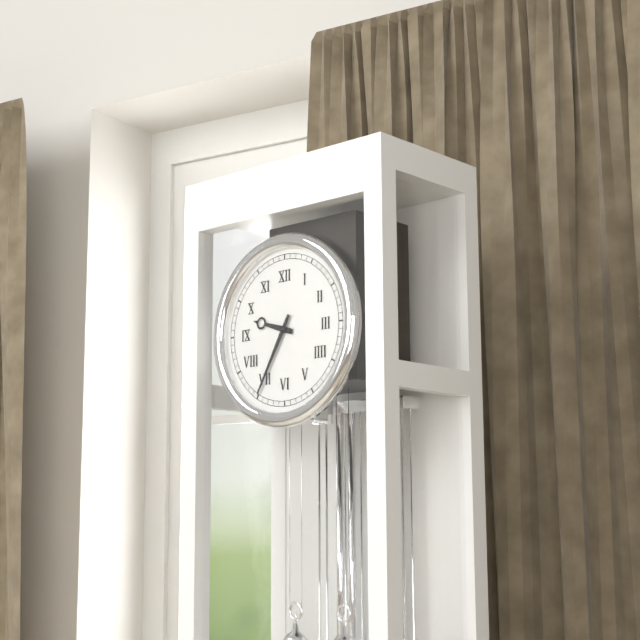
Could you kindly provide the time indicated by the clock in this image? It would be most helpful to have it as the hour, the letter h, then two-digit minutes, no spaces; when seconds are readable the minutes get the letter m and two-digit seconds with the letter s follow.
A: 9h35
